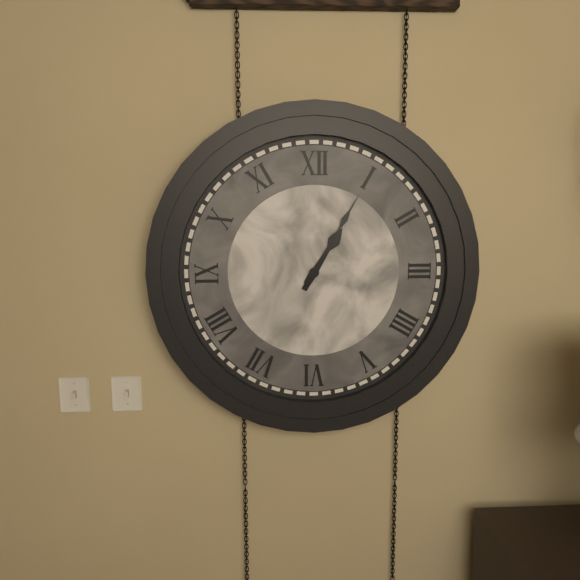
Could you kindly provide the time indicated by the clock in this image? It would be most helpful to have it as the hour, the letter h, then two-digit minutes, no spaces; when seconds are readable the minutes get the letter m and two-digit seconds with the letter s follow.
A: 1h05
